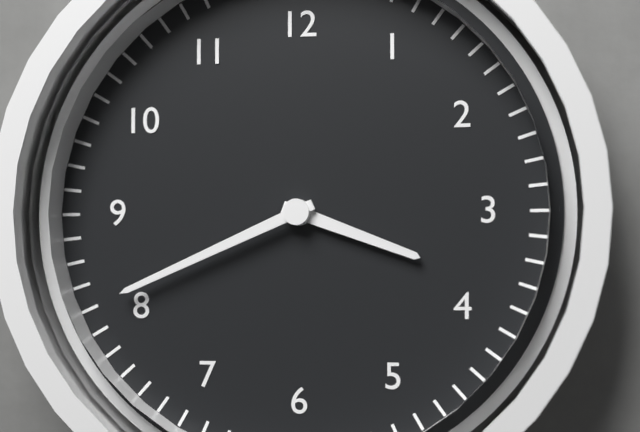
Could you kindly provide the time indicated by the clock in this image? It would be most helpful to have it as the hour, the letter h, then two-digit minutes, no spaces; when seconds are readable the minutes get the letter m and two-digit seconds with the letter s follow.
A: 3h41
